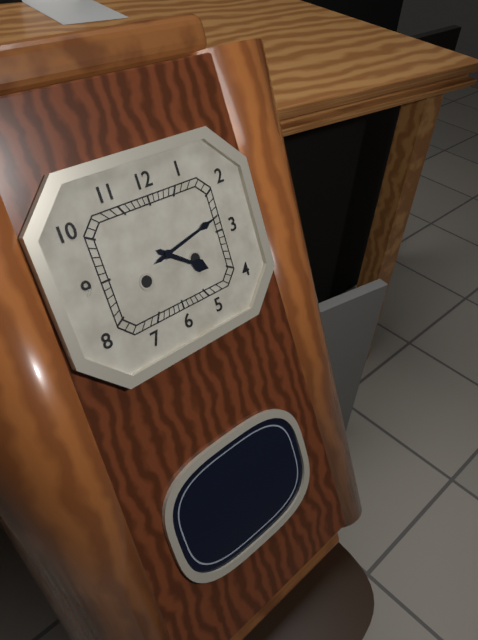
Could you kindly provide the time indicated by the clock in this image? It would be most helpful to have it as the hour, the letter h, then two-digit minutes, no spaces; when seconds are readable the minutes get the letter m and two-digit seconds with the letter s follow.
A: 4h13
